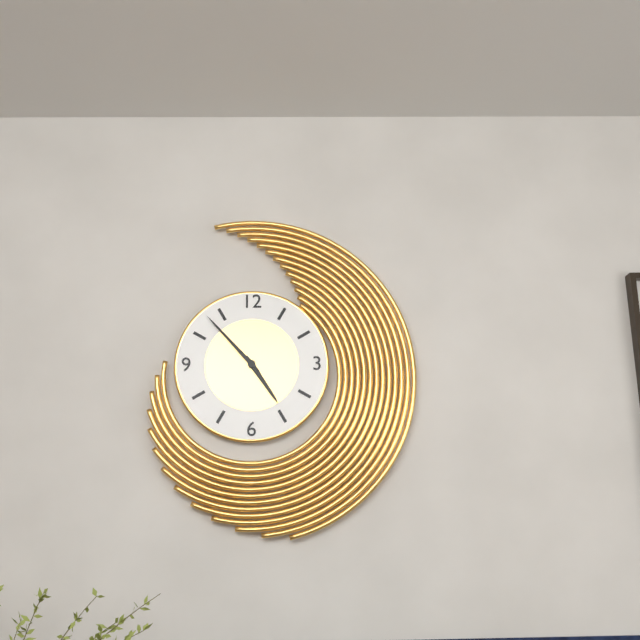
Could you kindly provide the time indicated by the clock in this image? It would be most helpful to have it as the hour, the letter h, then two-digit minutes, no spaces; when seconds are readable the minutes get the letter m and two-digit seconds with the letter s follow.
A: 4h53
